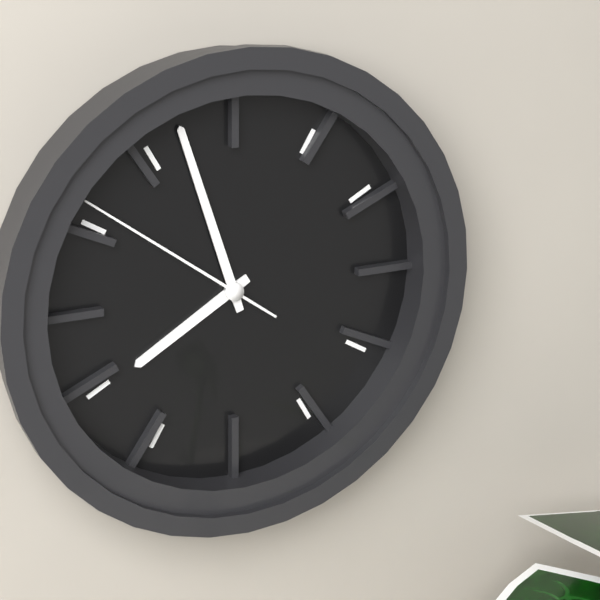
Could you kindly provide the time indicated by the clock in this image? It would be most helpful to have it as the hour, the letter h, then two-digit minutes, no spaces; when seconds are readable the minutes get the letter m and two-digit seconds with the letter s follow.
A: 7h57m51s
